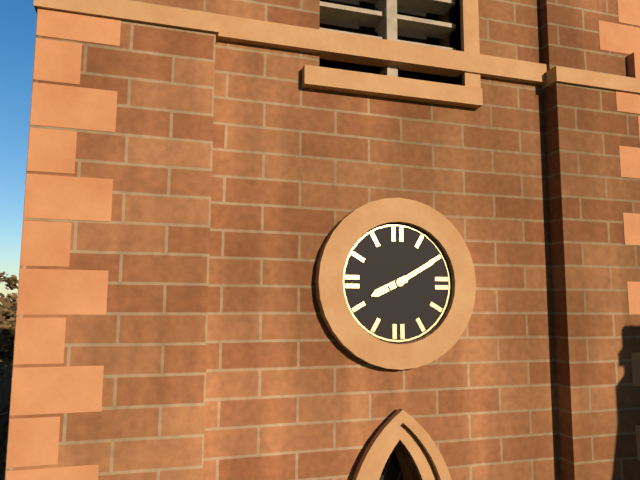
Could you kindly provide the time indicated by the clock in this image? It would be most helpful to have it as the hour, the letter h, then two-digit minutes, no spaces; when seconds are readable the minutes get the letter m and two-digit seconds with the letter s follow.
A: 8h10
